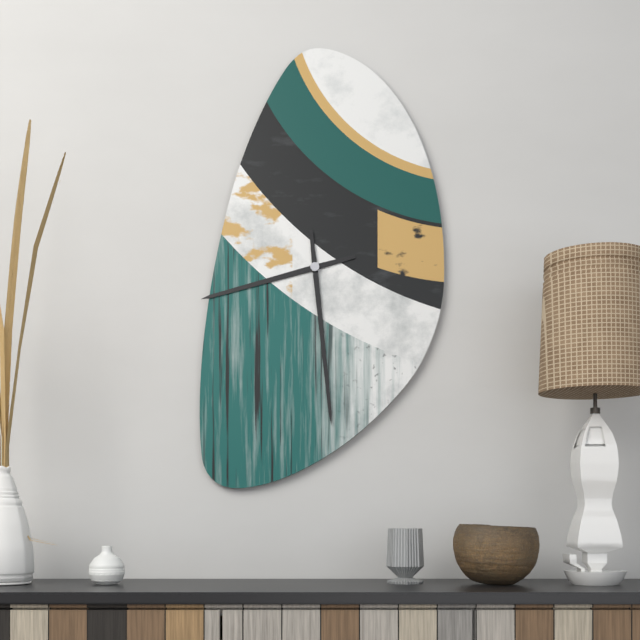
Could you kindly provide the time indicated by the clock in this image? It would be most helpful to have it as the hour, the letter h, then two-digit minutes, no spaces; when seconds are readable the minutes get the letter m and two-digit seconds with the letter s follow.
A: 8h29
